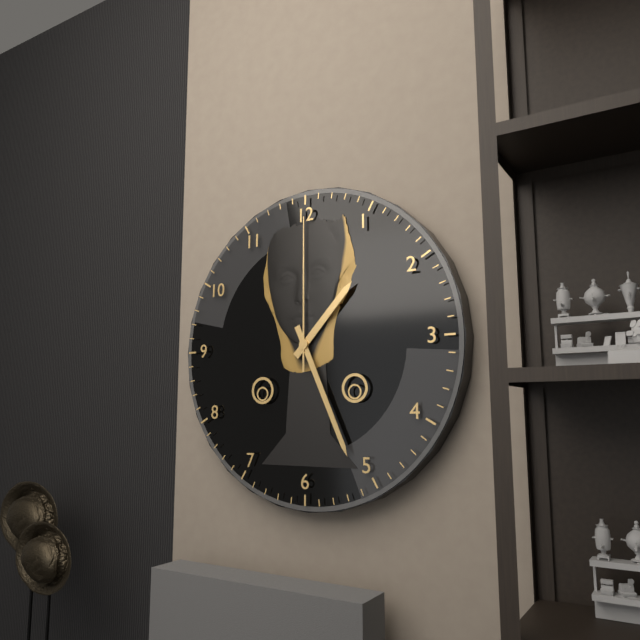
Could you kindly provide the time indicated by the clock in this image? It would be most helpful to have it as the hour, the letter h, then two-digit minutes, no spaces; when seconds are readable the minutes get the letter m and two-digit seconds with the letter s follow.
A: 1h26m00s
